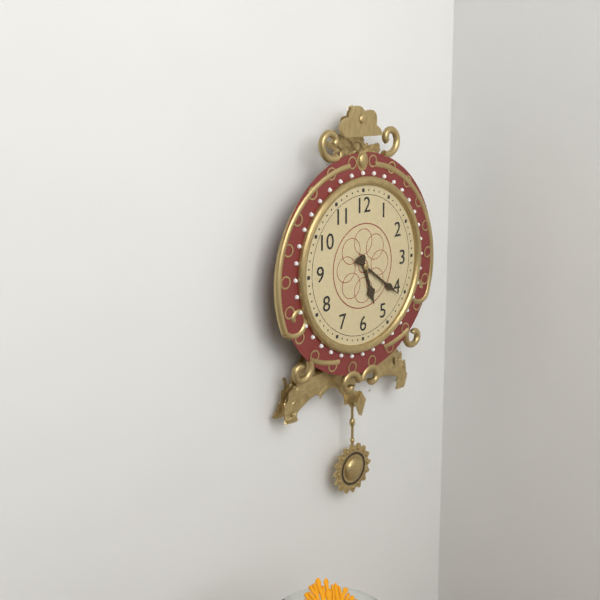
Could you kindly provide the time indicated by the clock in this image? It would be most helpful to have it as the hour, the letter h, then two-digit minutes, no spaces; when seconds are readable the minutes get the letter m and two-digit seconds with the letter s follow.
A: 5h21
